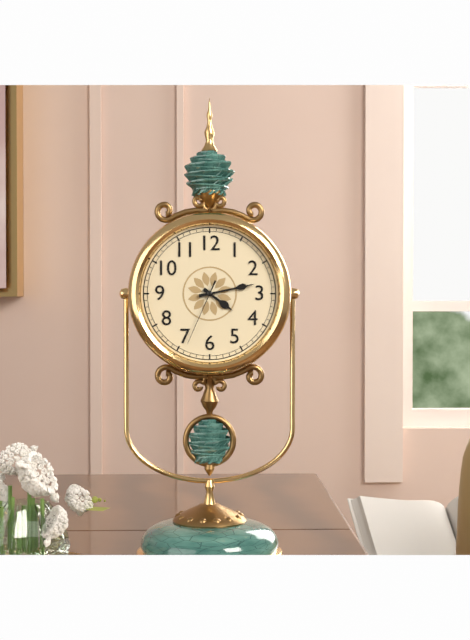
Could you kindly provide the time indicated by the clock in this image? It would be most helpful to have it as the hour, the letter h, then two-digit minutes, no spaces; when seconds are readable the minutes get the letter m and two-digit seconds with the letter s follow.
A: 4h13m34s
